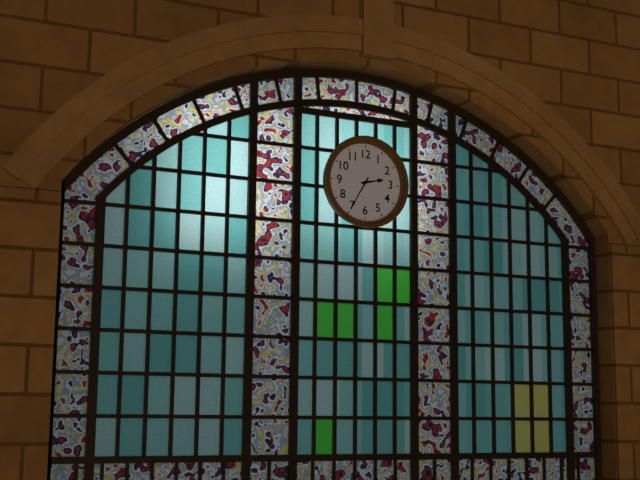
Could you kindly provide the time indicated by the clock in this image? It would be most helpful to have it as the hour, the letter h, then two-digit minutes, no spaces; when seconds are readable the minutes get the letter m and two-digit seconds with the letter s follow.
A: 2h35
